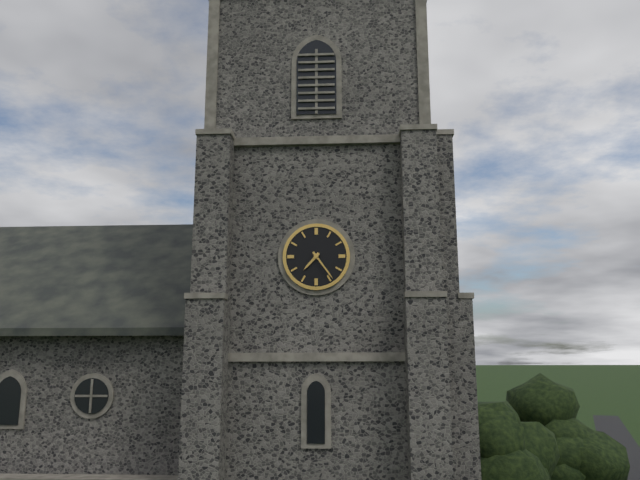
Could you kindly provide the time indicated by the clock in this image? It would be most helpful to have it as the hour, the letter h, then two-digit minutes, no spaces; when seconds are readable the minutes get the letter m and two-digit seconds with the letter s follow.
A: 7h24
